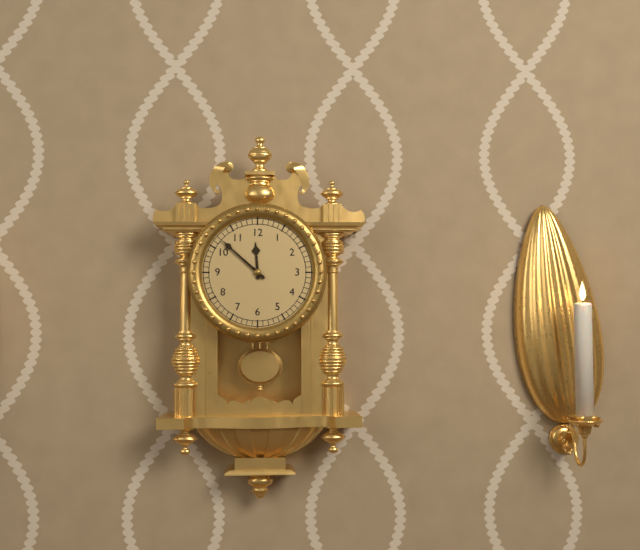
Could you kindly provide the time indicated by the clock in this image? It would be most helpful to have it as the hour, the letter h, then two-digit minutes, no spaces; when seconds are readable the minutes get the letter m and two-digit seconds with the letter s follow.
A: 11h52
